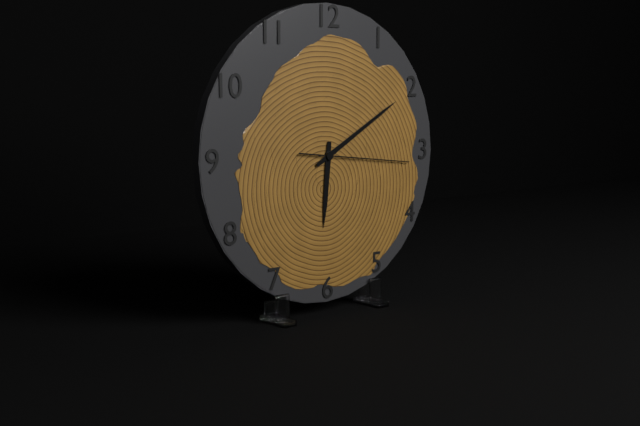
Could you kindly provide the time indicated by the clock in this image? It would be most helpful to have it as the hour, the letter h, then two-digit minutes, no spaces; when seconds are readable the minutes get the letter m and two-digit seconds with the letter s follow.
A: 6h10m16s
